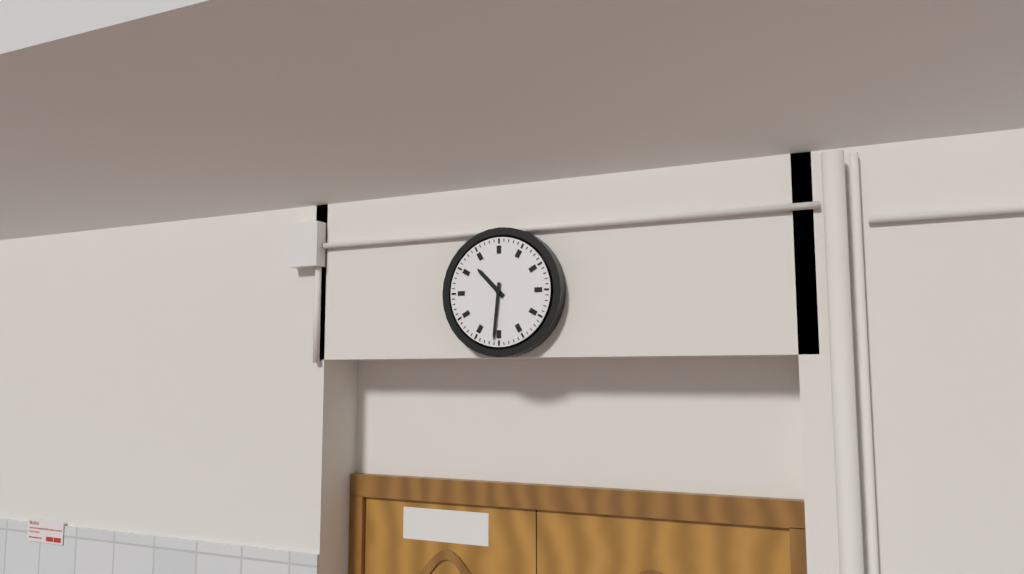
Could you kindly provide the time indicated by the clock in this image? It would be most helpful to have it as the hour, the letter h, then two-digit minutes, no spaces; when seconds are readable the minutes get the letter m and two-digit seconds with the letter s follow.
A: 10h31
